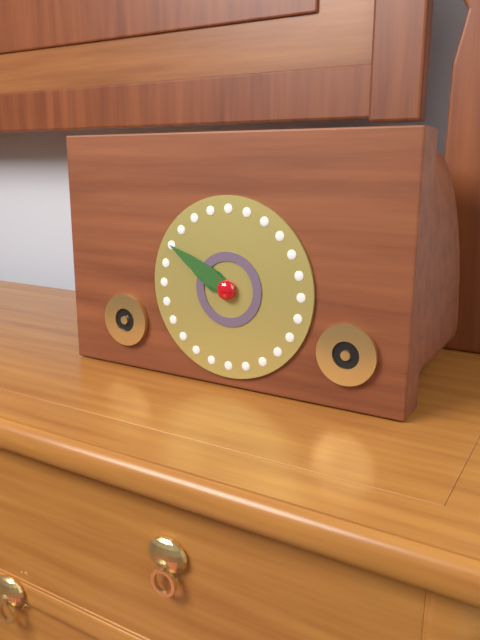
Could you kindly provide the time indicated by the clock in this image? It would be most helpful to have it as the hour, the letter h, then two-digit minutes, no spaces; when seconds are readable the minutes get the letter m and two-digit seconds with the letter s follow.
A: 9h50
